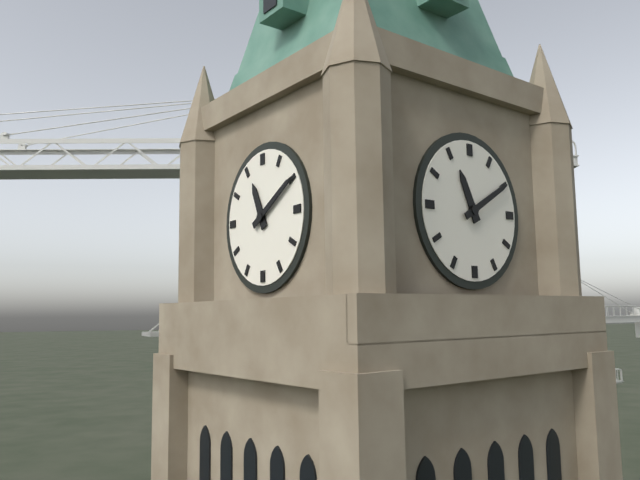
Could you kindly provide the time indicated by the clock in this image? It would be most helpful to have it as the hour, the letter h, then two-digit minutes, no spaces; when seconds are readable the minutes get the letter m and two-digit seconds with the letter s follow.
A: 11h10
